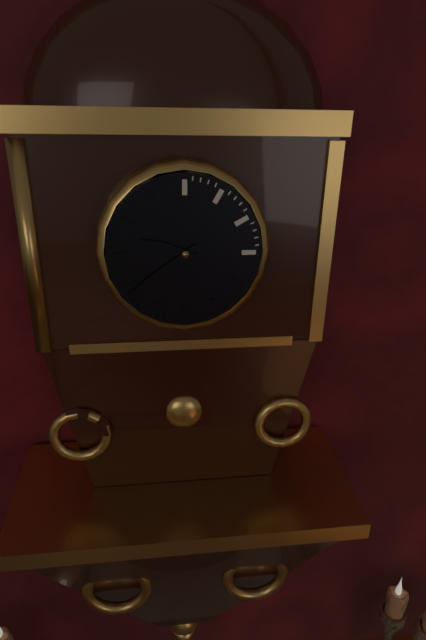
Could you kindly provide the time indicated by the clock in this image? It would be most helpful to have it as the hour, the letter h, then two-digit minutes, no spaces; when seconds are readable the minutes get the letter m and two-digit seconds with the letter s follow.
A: 9h39
